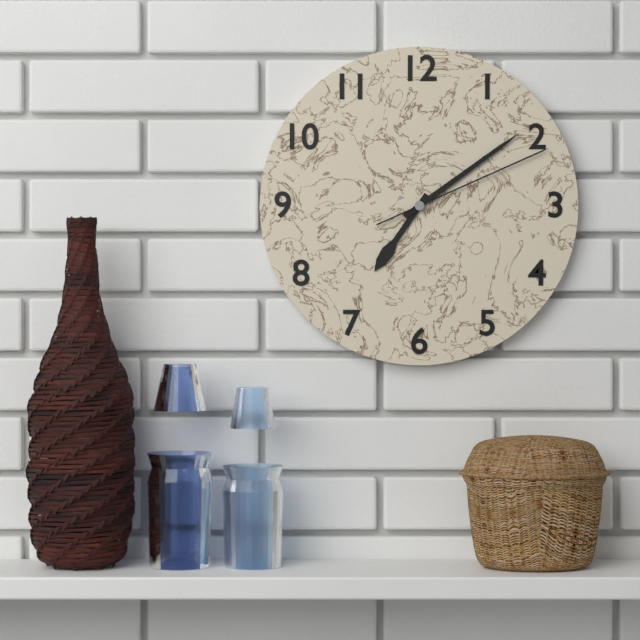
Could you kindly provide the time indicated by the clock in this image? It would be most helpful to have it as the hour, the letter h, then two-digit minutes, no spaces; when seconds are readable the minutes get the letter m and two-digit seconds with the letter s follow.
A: 7h09m11s
